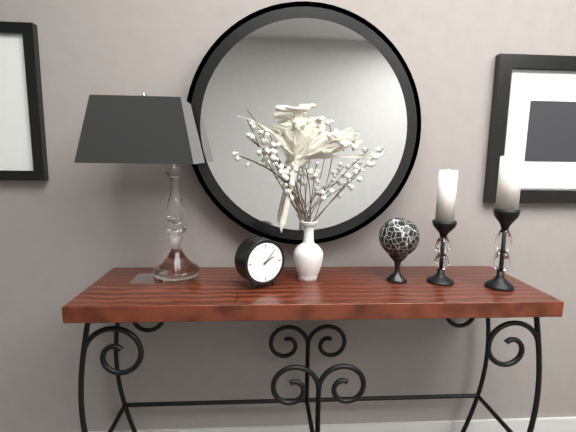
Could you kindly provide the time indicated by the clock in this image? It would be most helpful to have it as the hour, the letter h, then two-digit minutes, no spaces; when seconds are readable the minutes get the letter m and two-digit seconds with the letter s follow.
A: 2h07
